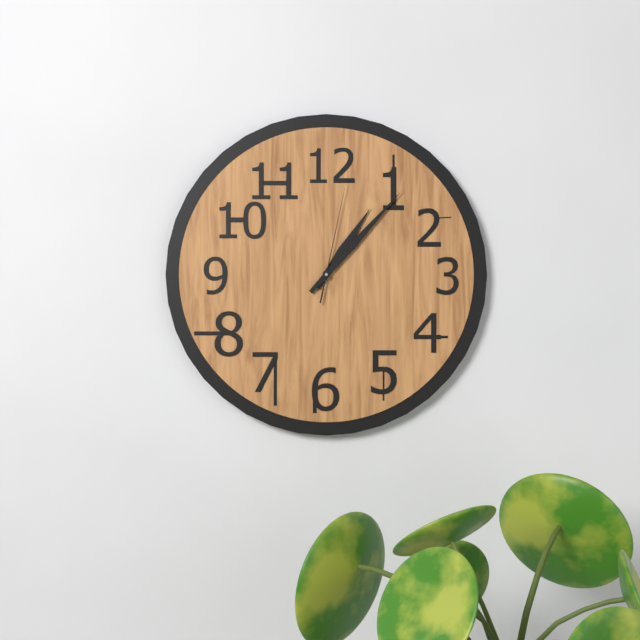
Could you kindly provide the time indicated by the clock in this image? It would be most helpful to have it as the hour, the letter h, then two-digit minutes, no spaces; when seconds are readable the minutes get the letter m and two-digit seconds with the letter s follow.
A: 1h07m02s
